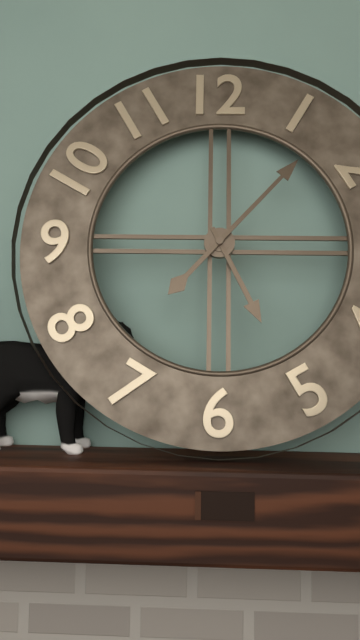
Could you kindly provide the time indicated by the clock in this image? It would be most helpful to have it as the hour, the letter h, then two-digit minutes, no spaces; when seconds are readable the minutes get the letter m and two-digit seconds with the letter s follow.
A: 5h07
